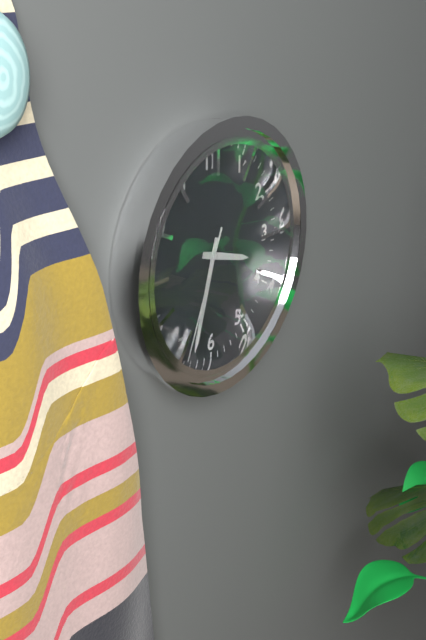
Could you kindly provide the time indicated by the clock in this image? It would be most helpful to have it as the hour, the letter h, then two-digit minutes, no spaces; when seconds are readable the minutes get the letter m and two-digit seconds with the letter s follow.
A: 3h33m34s
